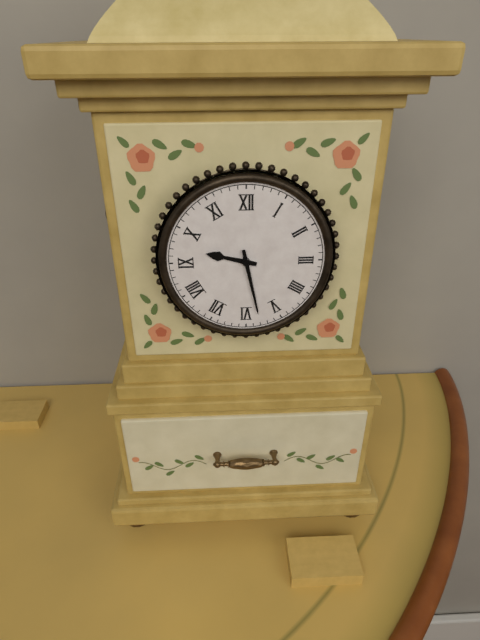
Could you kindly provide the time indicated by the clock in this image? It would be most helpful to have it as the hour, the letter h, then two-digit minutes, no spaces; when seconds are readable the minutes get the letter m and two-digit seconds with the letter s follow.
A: 9h28
